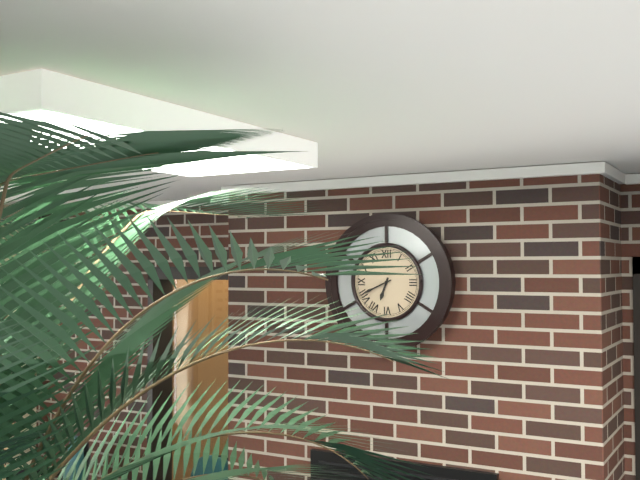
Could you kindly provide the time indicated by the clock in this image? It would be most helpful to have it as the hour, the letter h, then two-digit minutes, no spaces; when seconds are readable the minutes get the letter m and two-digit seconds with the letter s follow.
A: 6h41
